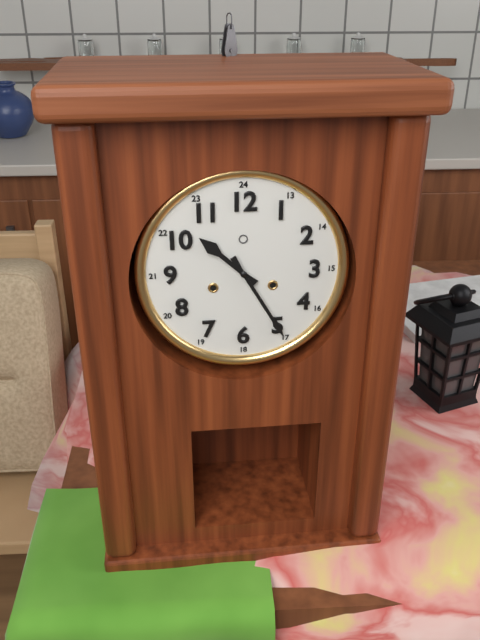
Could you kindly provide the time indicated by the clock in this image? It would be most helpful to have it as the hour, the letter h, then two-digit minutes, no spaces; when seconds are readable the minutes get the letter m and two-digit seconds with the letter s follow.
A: 10h25
